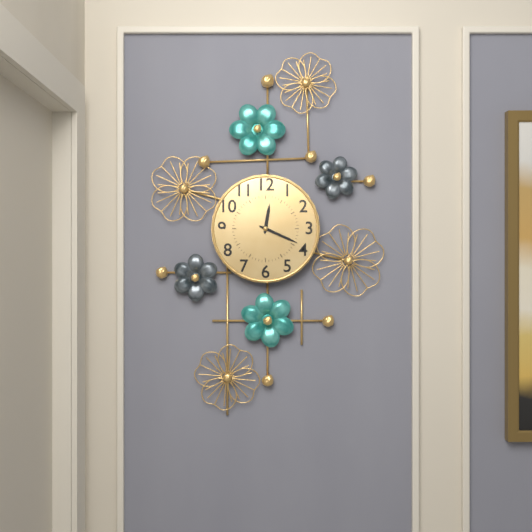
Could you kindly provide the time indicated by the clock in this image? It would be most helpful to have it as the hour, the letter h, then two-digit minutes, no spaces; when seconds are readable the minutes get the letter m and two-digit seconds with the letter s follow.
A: 12h19
